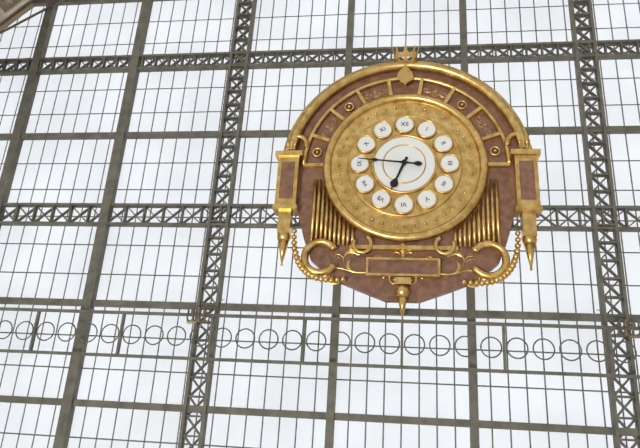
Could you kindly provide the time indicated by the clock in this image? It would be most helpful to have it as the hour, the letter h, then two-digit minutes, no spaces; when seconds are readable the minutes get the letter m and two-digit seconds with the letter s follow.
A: 6h46
